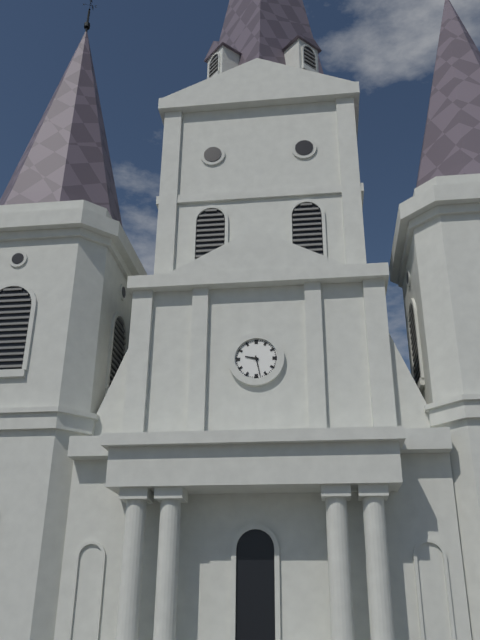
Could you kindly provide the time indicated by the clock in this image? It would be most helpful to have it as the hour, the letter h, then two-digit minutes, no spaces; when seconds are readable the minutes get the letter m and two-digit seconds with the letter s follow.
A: 9h28
